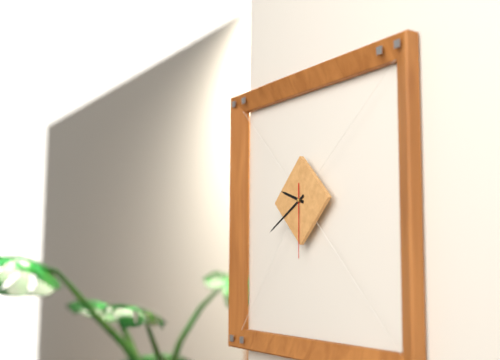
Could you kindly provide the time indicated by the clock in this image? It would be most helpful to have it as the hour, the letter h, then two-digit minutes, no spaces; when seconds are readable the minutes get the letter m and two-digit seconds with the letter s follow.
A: 9h40m30s
